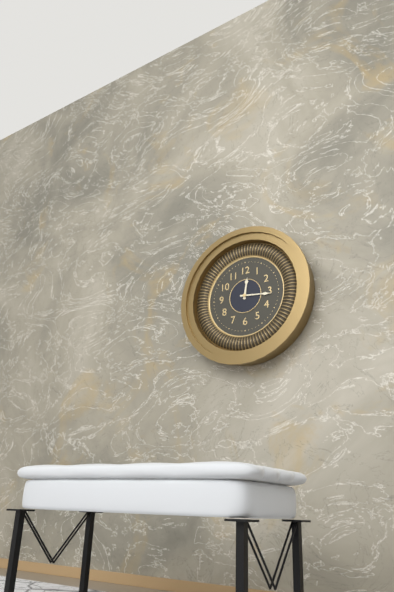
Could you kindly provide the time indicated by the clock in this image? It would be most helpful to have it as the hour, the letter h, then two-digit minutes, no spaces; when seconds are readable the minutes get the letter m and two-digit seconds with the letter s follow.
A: 12h16
